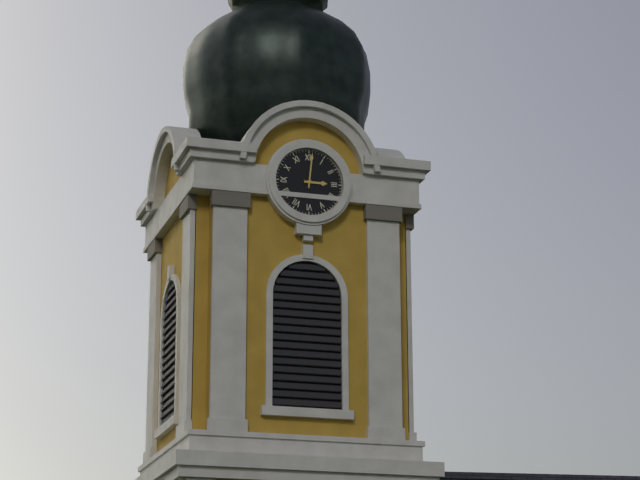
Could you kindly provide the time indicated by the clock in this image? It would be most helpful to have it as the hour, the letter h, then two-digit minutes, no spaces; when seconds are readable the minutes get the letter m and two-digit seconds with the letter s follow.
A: 3h01
